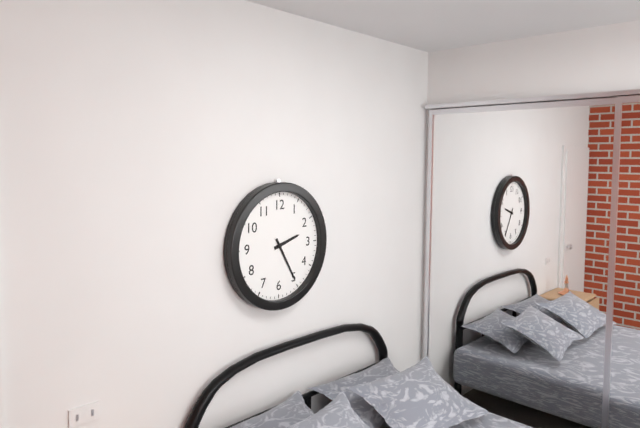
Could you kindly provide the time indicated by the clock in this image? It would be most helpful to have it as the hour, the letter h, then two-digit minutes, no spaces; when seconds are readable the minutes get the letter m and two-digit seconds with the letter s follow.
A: 2h25
